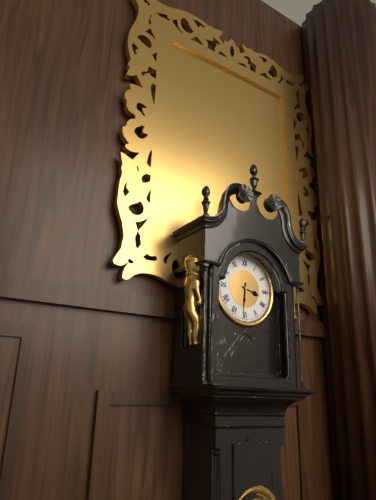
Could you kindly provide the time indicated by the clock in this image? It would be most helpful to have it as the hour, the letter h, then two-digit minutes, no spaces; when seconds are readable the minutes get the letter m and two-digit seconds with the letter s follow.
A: 3h31
